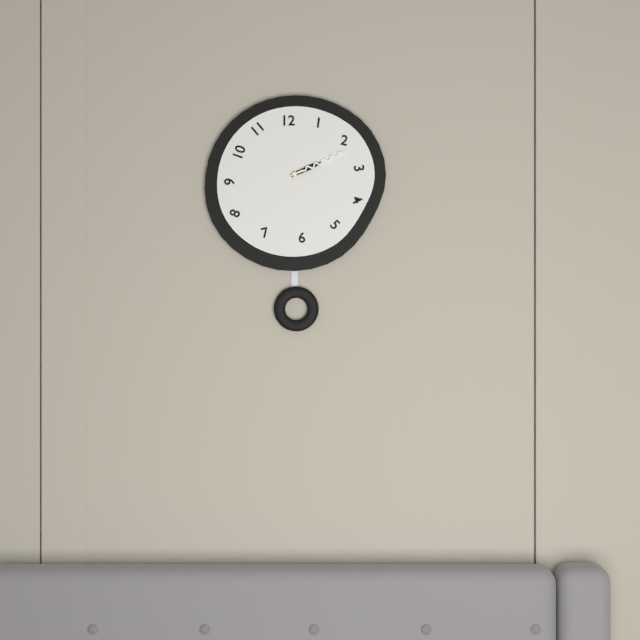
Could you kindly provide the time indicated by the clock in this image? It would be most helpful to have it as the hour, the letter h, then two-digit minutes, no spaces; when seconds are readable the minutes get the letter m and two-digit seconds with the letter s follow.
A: 2h11
